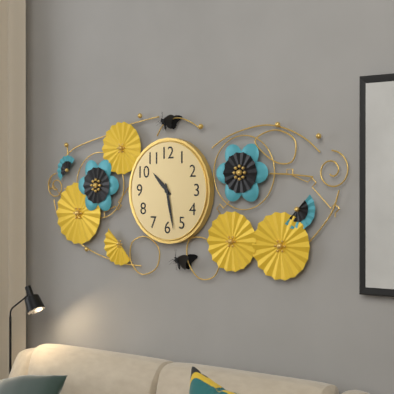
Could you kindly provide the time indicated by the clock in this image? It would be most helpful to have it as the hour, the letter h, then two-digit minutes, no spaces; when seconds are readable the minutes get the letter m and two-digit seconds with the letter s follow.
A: 10h28
